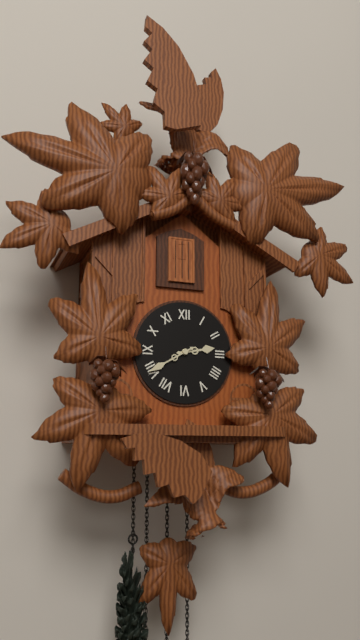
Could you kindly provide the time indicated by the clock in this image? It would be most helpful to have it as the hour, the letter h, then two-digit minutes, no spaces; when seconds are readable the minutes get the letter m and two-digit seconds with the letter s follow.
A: 2h40
